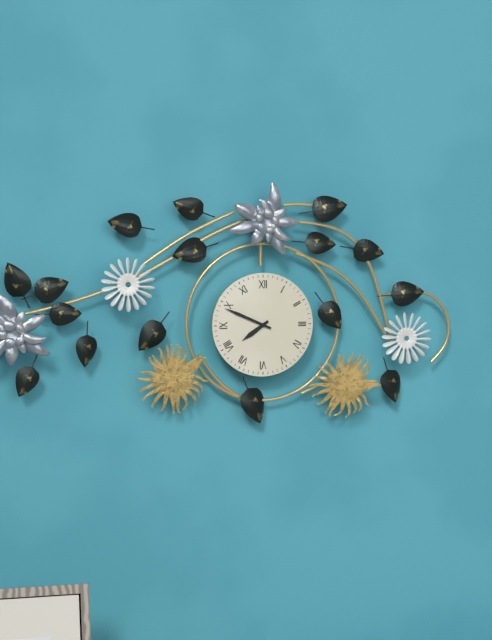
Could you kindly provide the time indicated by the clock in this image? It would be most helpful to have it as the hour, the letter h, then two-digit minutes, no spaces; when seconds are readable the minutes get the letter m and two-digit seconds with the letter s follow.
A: 7h49
